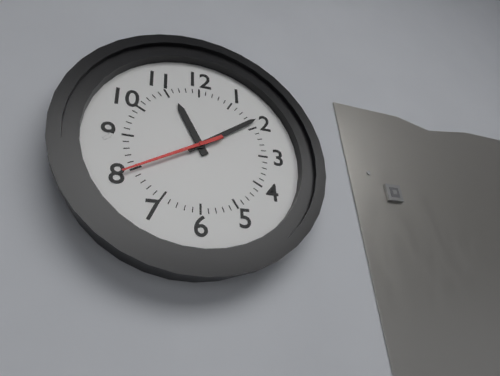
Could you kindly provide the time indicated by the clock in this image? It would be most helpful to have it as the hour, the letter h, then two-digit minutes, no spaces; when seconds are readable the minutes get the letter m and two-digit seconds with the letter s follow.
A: 11h09m40s
